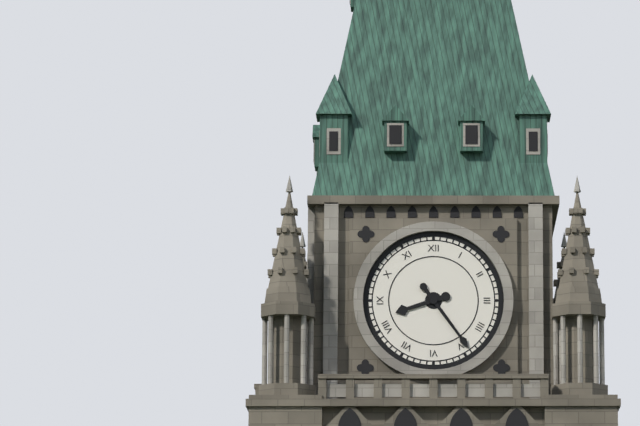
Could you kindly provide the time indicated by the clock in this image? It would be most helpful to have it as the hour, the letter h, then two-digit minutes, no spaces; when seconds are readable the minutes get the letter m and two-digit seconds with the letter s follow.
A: 8h24
